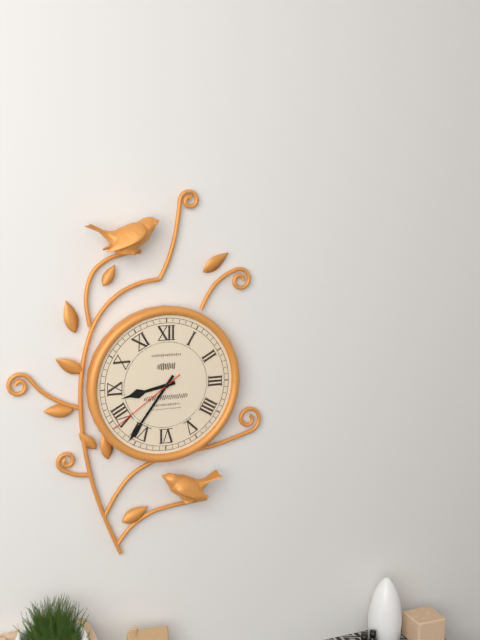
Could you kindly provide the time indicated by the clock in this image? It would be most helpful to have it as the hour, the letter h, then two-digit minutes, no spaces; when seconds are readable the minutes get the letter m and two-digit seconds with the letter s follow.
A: 8h36m39s
